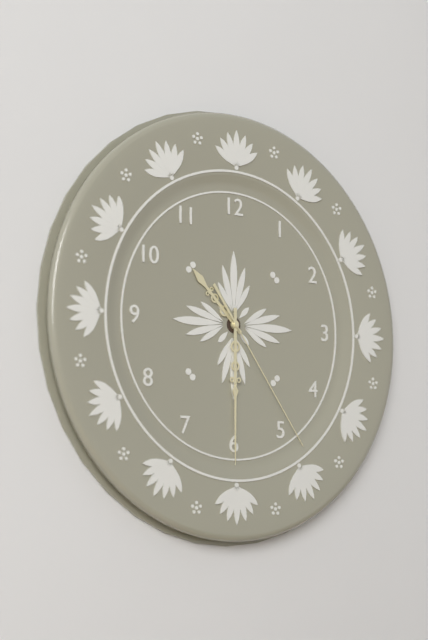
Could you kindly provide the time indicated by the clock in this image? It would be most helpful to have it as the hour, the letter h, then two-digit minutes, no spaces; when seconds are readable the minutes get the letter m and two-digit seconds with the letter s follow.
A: 10h30m24s
